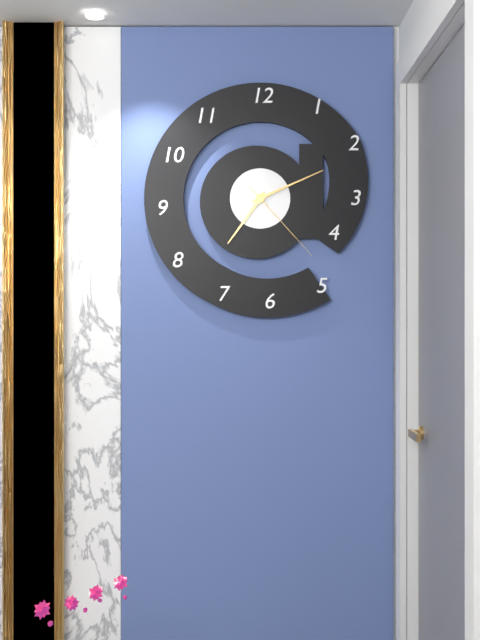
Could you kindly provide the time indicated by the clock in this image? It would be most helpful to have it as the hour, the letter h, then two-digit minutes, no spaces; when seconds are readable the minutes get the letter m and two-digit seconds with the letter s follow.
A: 7h11m23s
